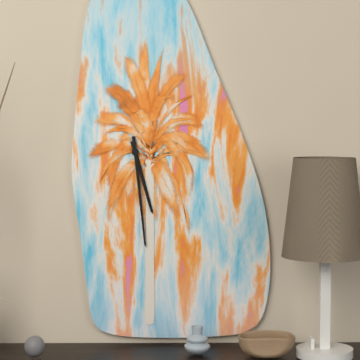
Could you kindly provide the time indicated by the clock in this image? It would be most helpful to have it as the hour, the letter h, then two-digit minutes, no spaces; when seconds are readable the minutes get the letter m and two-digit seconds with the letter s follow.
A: 5h29
